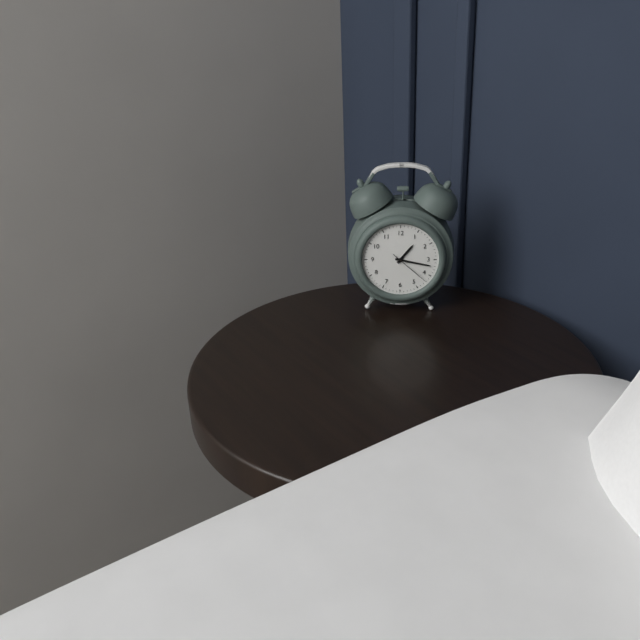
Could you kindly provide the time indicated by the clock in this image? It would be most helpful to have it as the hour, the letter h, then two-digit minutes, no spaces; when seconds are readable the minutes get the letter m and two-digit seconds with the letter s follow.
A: 1h17
